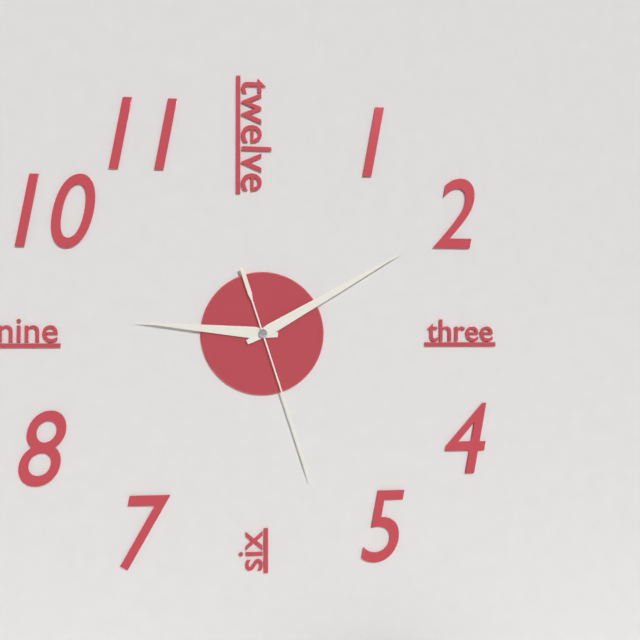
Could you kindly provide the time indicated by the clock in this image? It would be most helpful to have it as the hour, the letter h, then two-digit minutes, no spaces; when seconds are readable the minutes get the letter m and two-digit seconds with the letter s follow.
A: 9h10m27s
